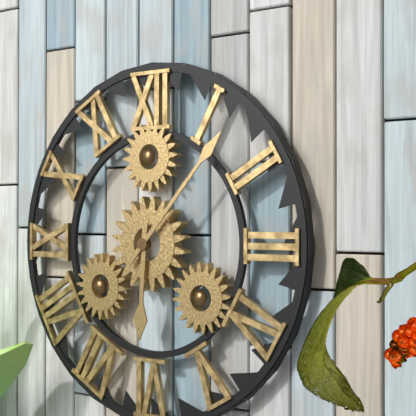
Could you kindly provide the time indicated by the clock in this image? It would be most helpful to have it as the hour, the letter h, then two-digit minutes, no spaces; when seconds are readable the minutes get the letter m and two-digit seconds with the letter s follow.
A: 6h07
